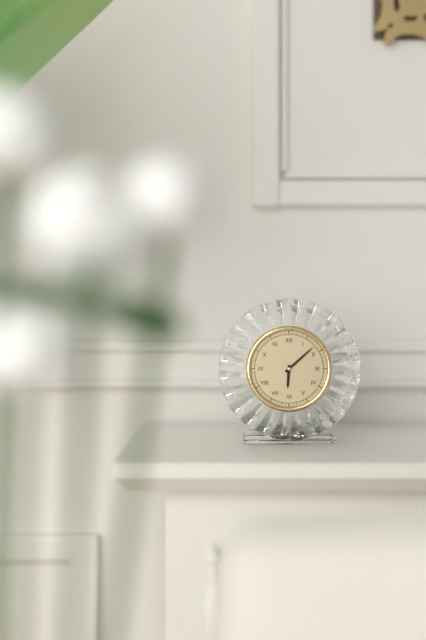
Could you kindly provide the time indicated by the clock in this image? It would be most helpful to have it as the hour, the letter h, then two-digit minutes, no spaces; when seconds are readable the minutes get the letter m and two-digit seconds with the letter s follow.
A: 6h08
